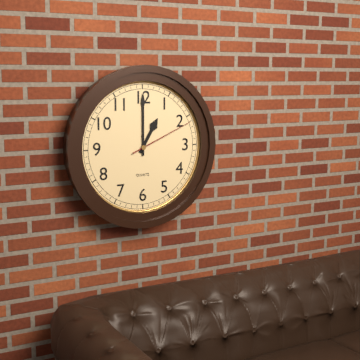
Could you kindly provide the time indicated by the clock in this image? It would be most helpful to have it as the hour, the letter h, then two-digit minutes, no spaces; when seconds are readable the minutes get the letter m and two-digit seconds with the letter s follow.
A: 1h00m11s
